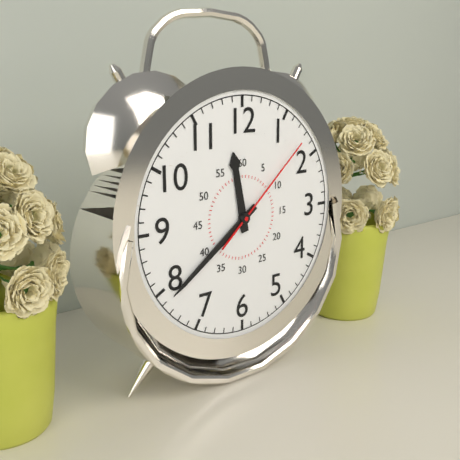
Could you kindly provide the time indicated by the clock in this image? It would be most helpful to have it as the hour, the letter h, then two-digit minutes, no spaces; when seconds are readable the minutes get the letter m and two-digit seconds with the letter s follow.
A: 11h39m08s
